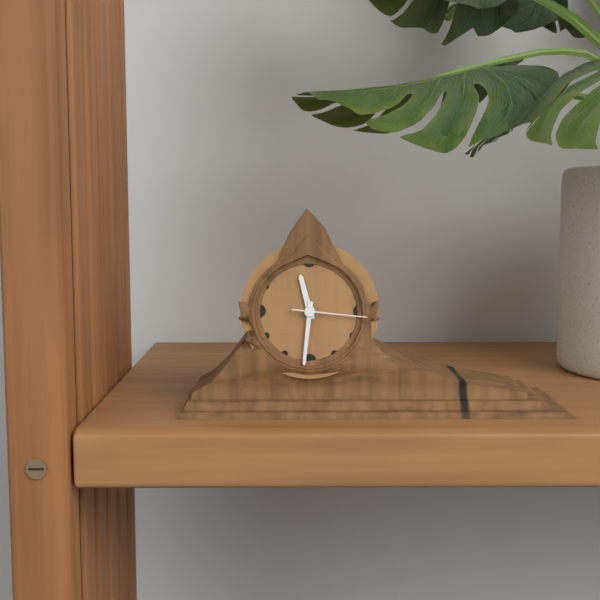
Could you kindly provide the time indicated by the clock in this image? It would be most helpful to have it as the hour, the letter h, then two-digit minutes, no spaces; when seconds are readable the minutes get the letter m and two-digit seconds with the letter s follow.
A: 11h31m16s
